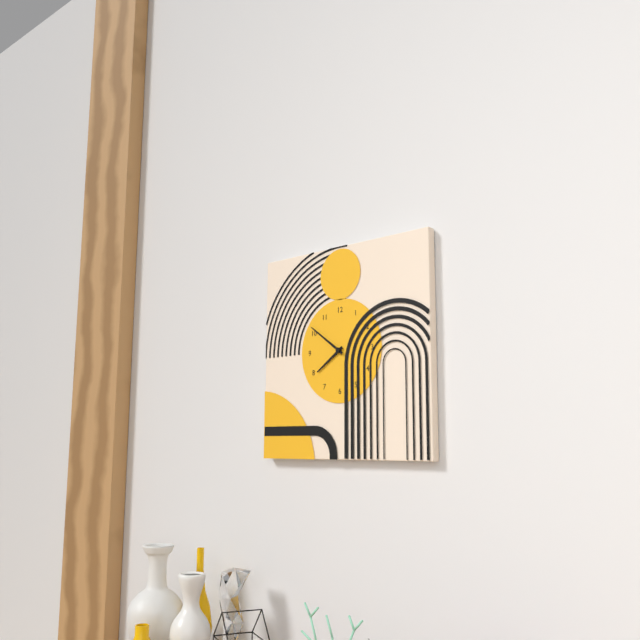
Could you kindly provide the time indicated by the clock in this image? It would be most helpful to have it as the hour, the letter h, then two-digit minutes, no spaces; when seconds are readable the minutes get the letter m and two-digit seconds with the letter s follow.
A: 7h51
